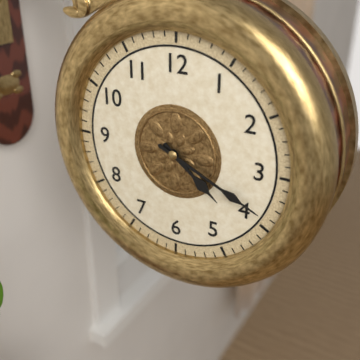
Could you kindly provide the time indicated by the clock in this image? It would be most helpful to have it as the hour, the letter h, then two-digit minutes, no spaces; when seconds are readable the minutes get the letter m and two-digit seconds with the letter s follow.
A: 4h19
